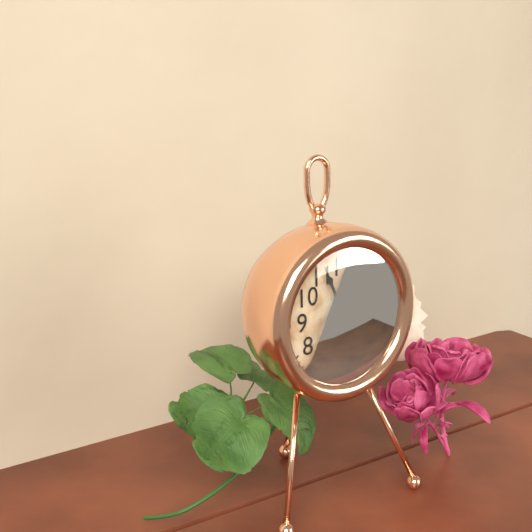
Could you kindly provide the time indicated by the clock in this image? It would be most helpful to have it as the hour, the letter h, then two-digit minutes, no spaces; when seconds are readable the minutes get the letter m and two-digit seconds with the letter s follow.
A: 6h56
